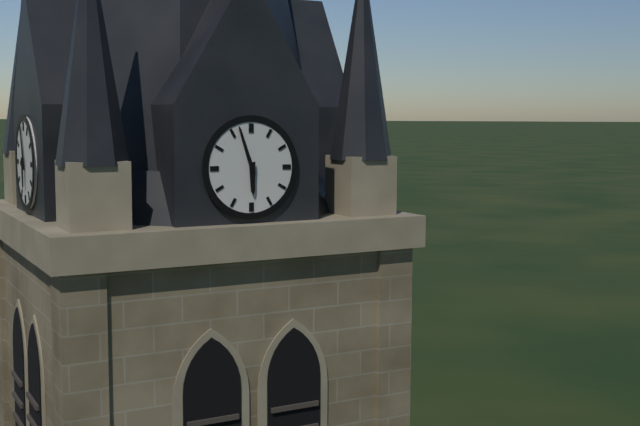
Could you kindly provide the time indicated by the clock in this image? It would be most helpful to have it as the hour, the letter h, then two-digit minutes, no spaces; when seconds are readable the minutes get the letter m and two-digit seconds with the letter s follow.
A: 5h57
